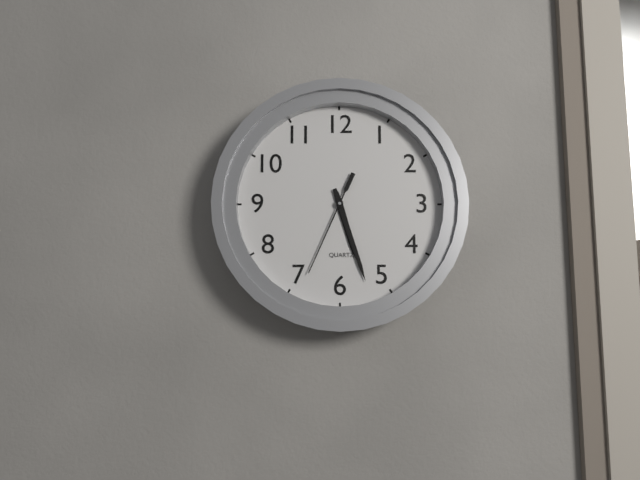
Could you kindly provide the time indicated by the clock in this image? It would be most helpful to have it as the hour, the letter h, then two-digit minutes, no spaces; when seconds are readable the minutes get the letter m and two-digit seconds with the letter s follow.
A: 5h27m34s
